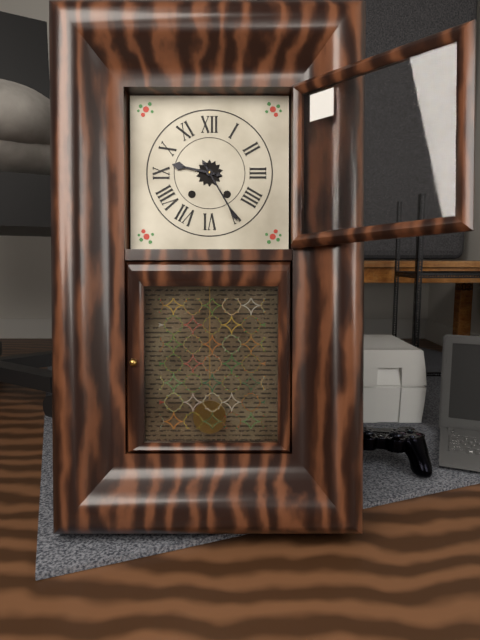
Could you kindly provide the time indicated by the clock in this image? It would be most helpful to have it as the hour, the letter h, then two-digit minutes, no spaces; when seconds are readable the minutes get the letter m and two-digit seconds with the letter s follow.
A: 9h25
